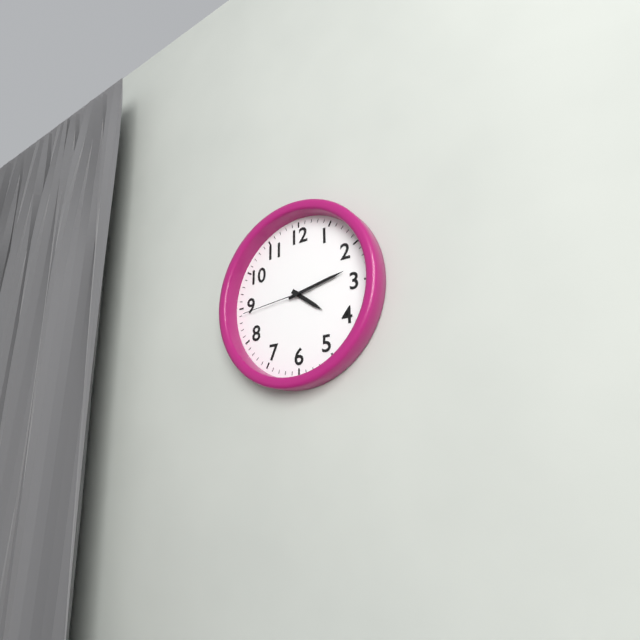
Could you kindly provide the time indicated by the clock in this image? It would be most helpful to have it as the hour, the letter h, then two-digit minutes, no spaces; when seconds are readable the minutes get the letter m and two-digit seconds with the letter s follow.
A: 4h13m44s
